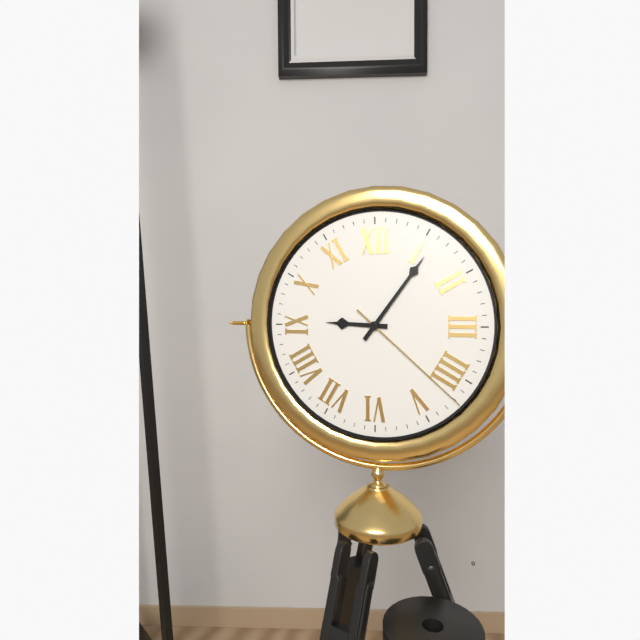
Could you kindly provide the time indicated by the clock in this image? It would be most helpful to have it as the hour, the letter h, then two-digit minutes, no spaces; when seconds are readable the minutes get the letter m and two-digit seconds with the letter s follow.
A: 9h06m22s
